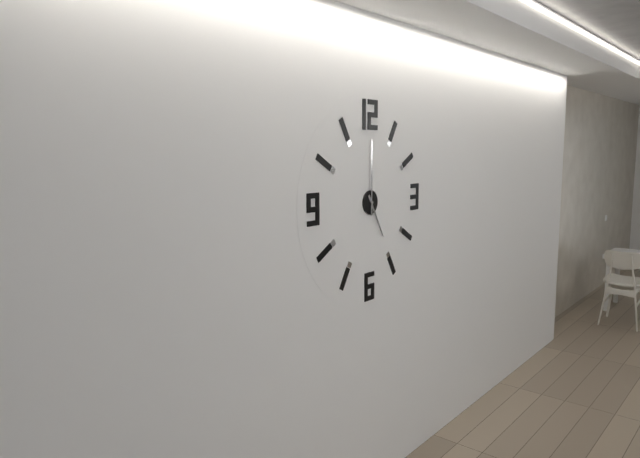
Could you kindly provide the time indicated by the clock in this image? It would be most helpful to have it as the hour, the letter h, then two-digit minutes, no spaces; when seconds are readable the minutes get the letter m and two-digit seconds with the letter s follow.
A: 5h00
